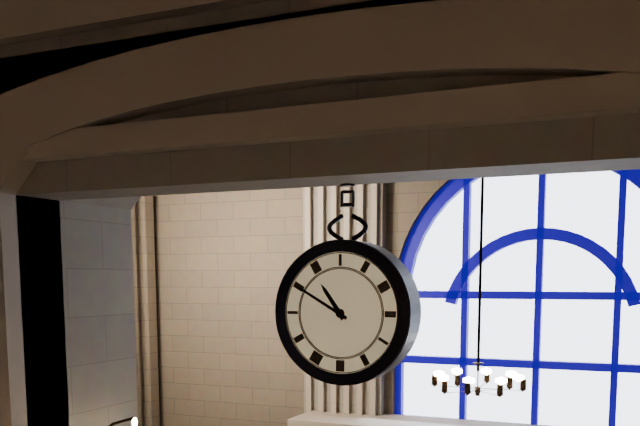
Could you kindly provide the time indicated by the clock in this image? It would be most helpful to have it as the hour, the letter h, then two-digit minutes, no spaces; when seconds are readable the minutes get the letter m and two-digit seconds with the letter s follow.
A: 10h50
